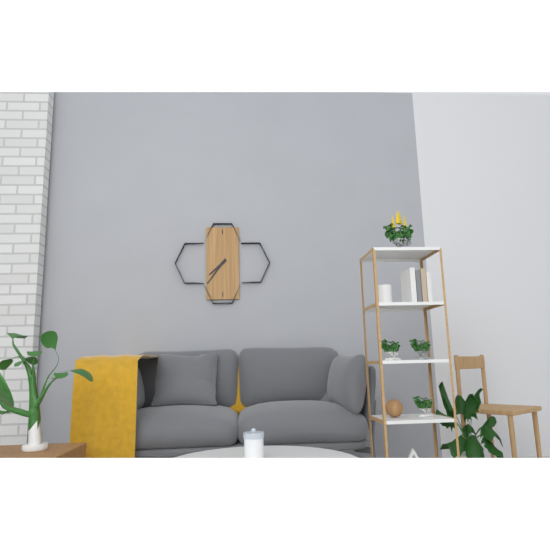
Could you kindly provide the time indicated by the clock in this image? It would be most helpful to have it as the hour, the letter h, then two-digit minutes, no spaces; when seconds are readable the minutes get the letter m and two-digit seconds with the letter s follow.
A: 7h36
